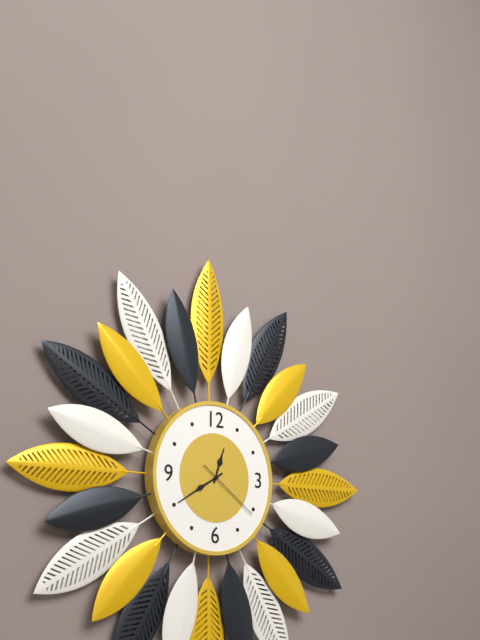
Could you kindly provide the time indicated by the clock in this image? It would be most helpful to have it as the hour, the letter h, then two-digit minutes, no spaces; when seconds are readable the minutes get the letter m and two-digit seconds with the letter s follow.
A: 12h40m21s
